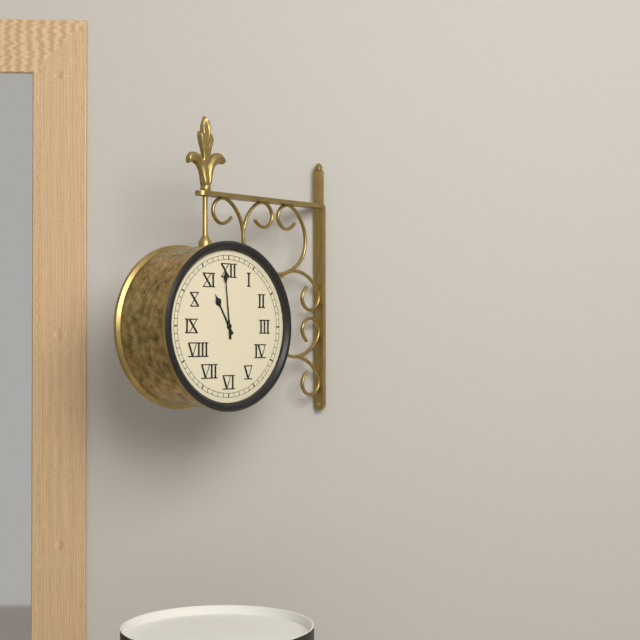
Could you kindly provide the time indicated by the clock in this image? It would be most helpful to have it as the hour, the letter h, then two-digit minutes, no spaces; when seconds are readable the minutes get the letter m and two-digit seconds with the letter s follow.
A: 10h59
